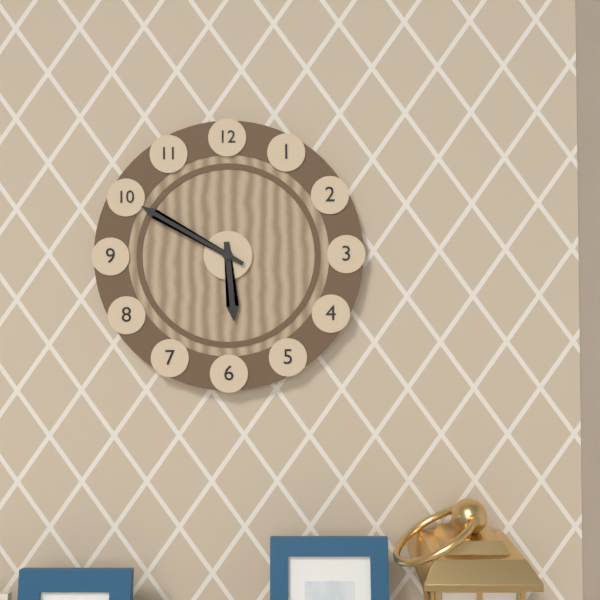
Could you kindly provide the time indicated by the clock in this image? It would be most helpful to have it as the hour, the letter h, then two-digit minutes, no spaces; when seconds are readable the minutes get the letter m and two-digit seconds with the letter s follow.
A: 5h50
